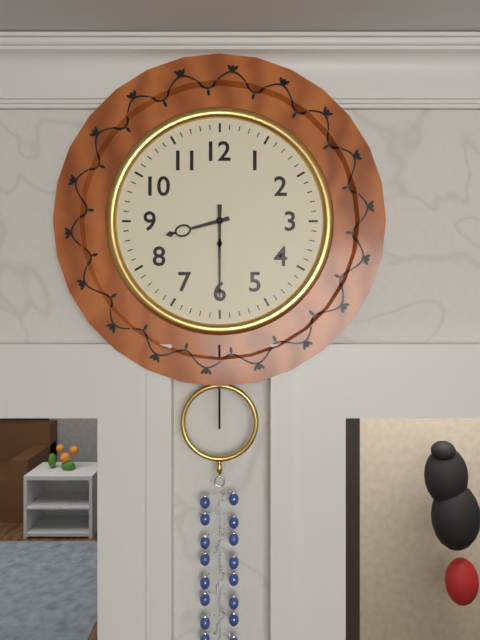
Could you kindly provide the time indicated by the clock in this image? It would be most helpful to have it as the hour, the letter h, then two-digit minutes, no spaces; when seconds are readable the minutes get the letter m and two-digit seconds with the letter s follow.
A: 8h30
